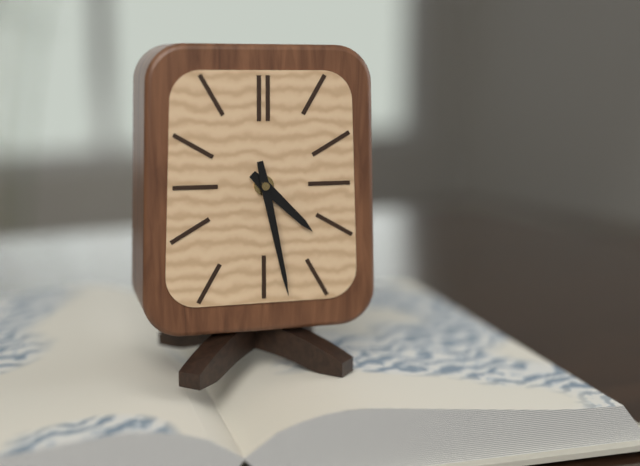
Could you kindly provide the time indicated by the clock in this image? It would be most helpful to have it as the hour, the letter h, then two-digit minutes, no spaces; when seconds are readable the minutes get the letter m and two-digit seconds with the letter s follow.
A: 4h28
